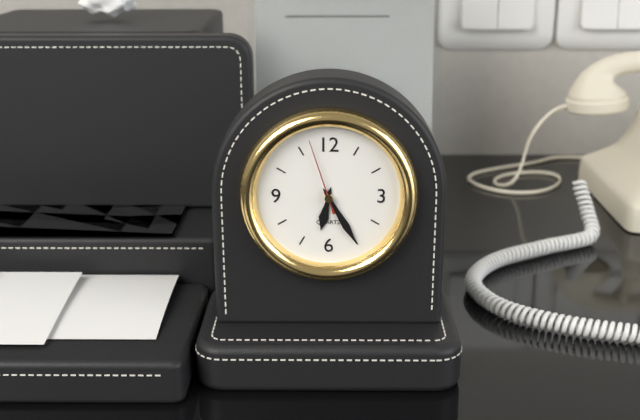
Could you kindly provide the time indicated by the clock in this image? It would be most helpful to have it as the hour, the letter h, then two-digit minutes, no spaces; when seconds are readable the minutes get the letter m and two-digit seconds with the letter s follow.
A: 6h25m57s
